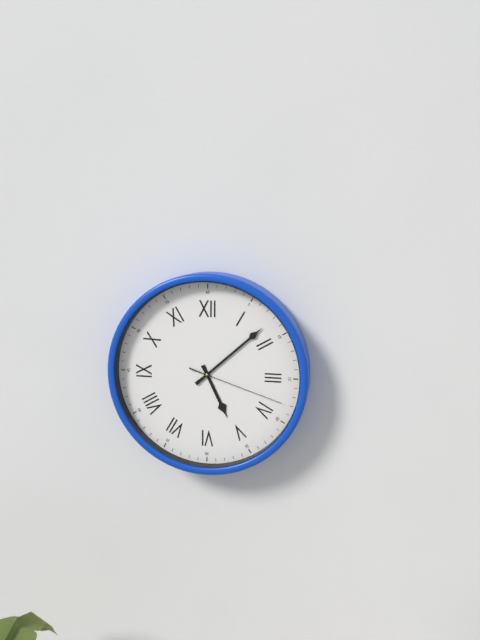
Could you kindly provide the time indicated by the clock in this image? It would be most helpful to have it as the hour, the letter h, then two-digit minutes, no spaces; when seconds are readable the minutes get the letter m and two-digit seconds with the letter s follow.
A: 5h08m18s
